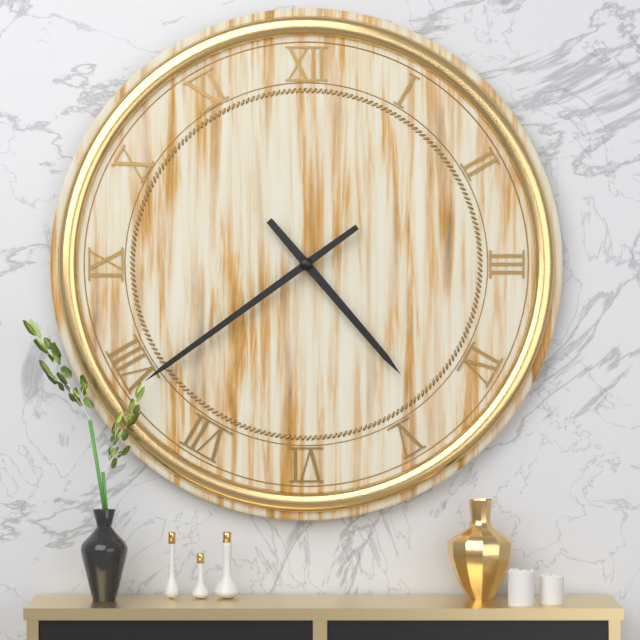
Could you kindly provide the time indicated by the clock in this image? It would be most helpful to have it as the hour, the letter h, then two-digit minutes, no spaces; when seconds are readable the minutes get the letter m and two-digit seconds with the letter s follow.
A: 4h39
